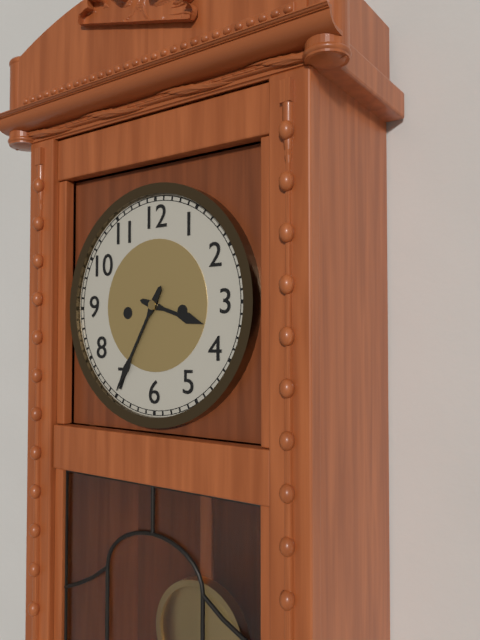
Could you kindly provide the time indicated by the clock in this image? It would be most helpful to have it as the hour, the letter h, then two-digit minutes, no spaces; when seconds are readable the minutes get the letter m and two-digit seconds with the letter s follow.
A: 3h35
